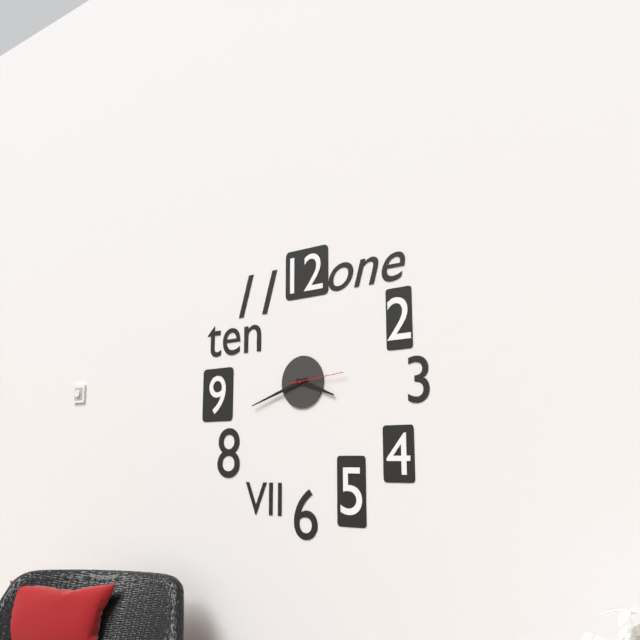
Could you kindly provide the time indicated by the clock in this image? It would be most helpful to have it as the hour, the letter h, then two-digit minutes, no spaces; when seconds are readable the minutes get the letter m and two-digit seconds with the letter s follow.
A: 3h42m14s
